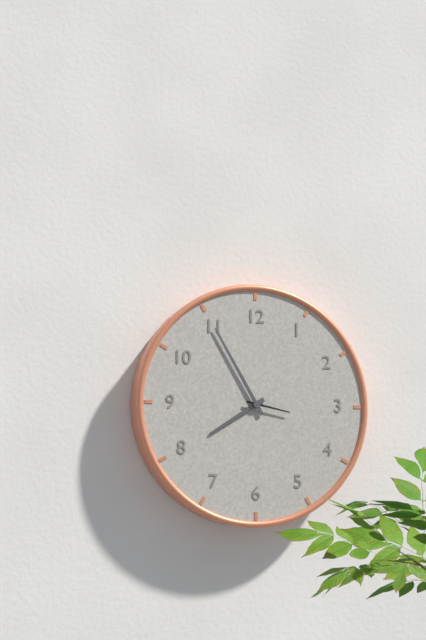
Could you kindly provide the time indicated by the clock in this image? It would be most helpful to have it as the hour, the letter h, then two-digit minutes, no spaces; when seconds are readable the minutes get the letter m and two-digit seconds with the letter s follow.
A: 7h55
